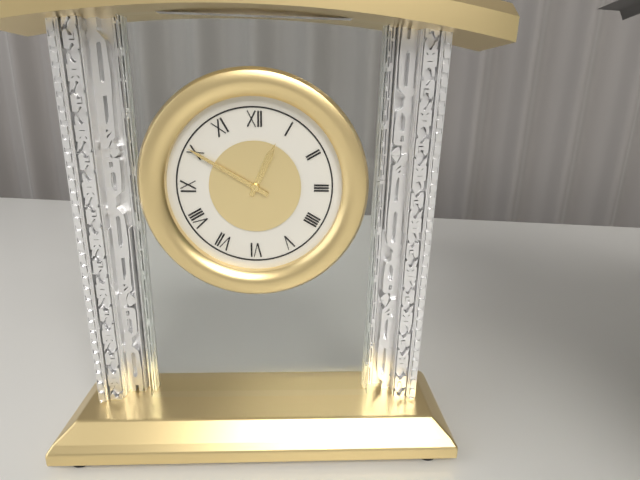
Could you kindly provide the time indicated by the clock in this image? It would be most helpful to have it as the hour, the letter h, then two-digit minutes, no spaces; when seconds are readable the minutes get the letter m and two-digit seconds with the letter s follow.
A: 12h50
